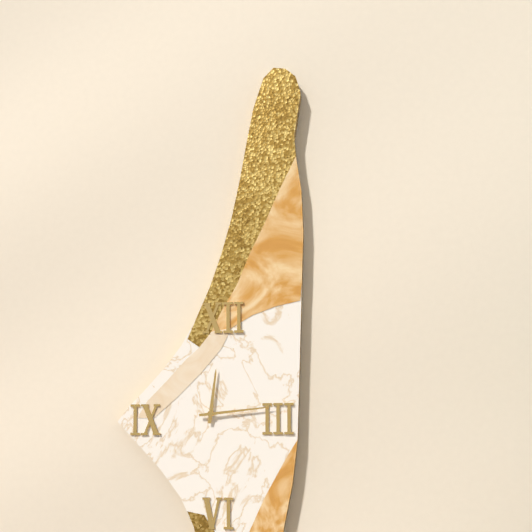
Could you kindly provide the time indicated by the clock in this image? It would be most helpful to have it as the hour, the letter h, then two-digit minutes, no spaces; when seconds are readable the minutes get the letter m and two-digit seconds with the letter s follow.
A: 12h14
